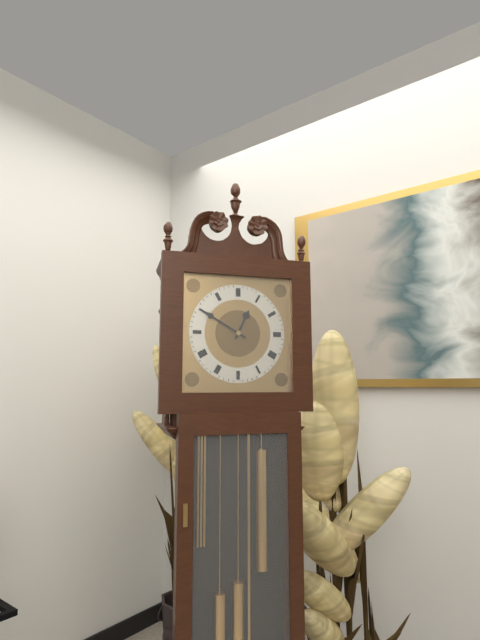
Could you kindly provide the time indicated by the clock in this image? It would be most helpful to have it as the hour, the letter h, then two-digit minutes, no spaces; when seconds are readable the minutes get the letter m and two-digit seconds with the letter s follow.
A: 12h50
